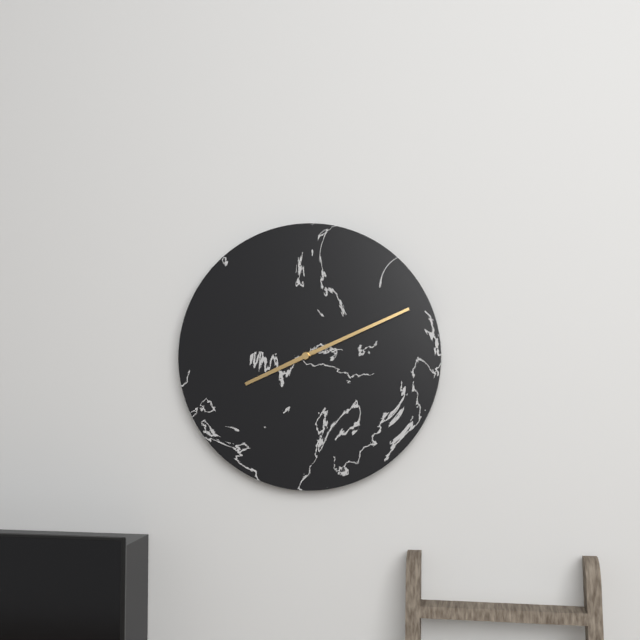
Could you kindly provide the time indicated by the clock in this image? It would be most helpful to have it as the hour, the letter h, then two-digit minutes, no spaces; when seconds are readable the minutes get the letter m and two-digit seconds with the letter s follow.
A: 8h11
